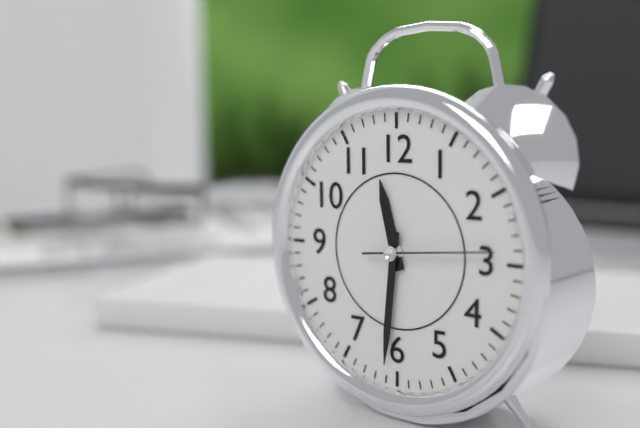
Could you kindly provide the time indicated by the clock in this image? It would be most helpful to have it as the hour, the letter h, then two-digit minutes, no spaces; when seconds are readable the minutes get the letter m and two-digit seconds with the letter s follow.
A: 11h31m14s
